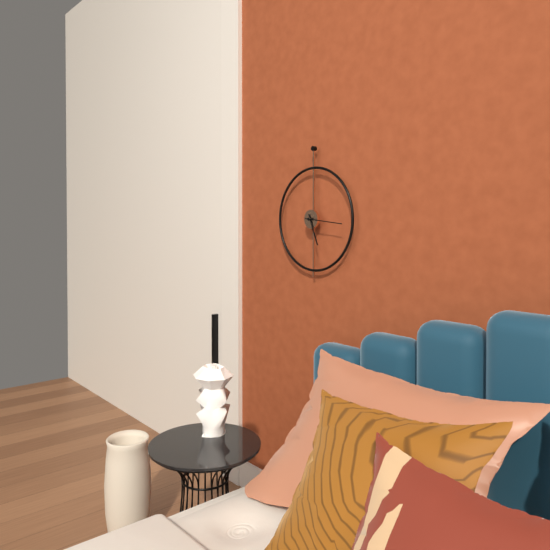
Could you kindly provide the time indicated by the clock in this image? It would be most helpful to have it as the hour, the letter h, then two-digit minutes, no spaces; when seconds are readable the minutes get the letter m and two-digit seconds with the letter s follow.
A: 5h16
